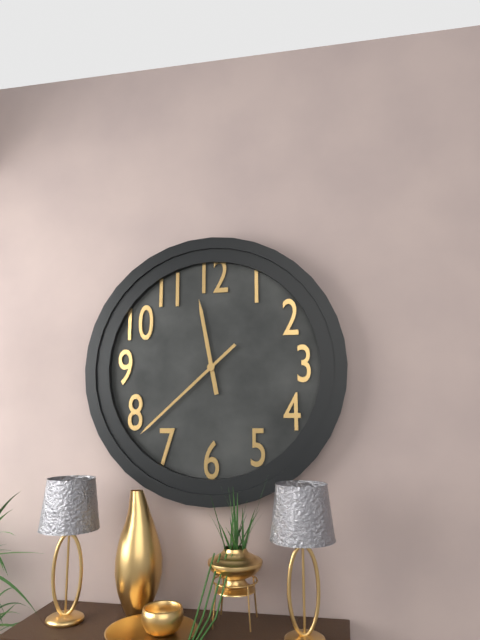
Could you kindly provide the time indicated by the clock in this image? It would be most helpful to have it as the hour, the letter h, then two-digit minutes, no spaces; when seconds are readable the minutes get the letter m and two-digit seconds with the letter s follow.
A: 11h38
